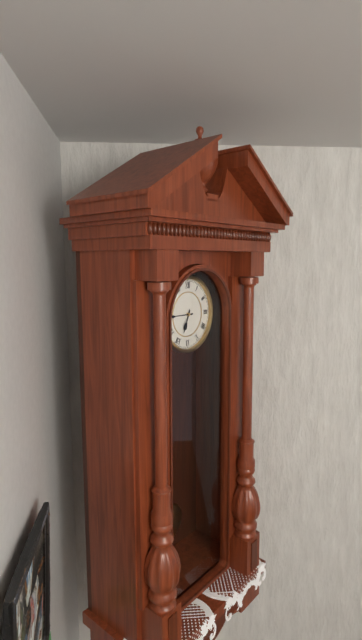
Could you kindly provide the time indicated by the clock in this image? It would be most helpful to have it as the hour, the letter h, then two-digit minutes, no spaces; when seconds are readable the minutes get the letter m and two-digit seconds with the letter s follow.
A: 6h45
